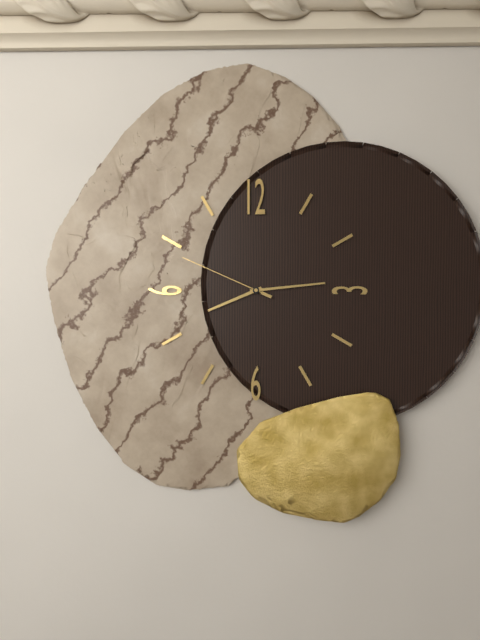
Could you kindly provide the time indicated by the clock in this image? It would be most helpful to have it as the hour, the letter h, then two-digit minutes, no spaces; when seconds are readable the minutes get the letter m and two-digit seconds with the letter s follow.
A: 8h14m49s
